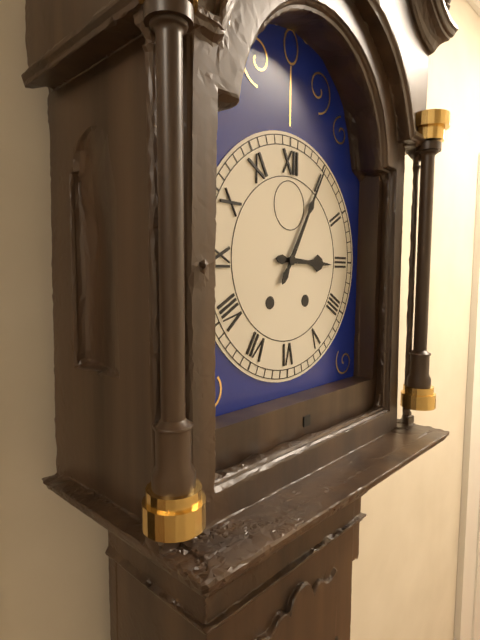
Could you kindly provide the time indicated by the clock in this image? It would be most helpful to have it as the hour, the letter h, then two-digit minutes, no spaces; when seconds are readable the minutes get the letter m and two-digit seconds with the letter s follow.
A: 3h05
